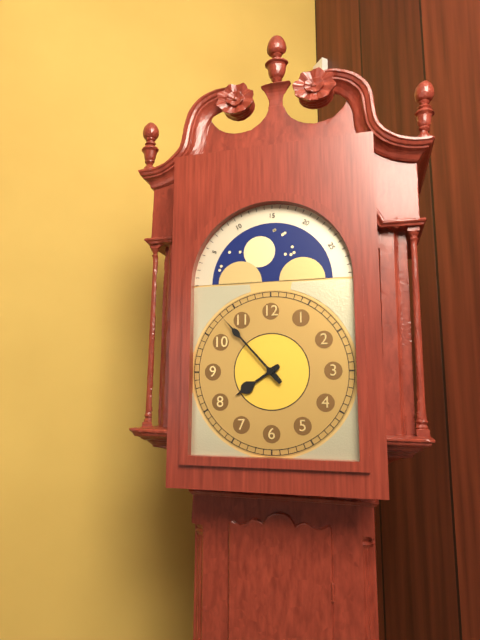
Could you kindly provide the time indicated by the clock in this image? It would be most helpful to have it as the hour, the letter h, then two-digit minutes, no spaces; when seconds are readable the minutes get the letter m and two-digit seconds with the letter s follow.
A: 7h53
